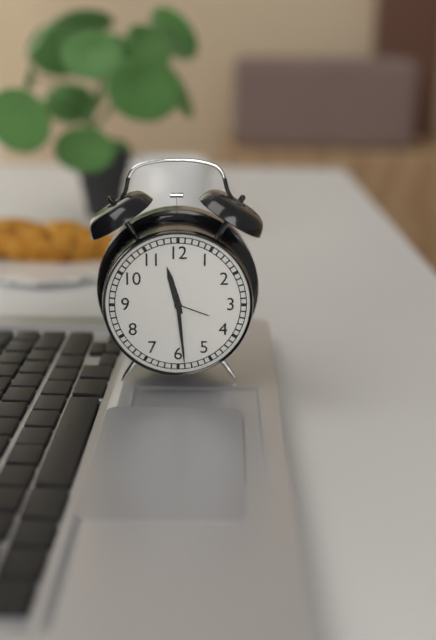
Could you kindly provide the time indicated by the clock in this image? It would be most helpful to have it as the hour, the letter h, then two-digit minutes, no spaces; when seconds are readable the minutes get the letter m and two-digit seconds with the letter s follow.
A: 11h29
